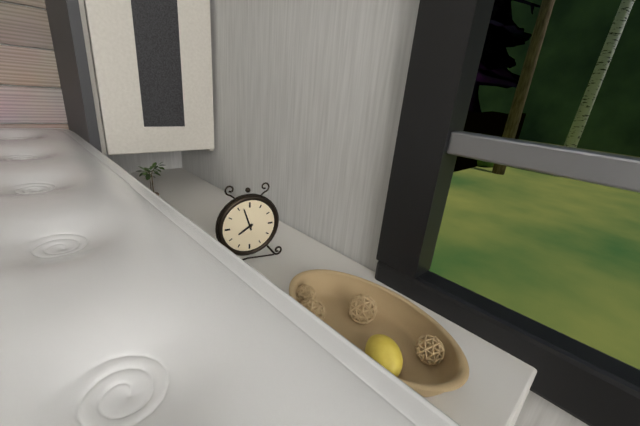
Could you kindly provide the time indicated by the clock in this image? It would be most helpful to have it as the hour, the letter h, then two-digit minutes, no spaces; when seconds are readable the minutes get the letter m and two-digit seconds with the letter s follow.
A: 7h57
